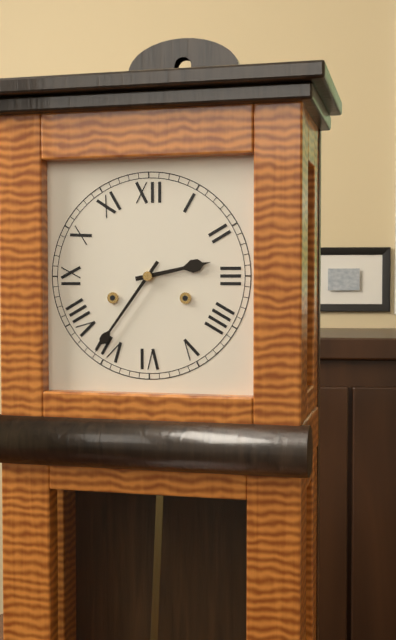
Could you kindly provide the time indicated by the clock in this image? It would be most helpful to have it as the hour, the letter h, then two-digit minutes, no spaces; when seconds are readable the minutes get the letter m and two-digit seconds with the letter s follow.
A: 2h36
